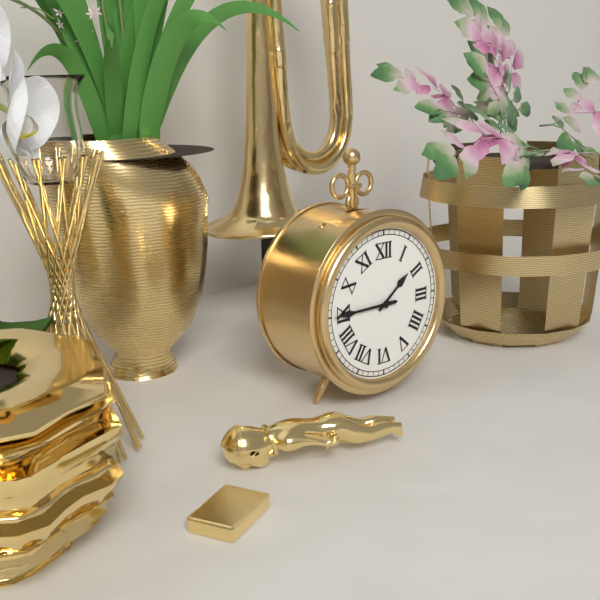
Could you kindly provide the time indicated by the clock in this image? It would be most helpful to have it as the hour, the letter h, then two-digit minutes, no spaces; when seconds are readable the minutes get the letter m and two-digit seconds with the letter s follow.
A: 1h45
